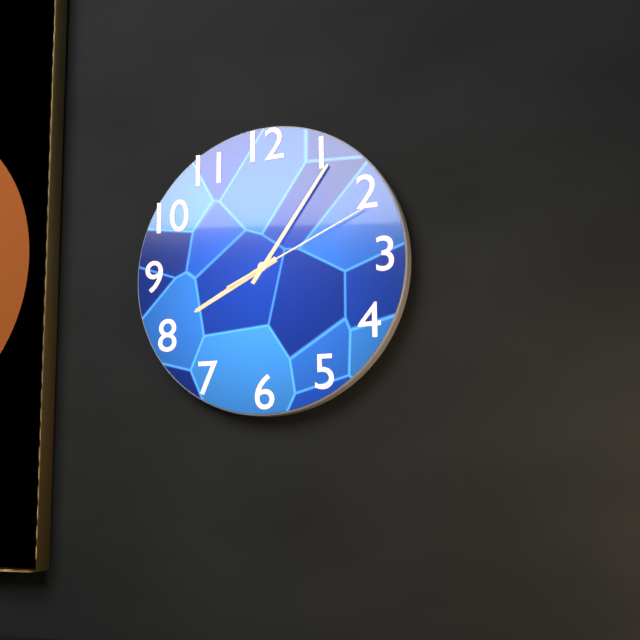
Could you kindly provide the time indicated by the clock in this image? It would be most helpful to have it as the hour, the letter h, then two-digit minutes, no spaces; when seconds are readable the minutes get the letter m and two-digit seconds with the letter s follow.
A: 8h06m11s
